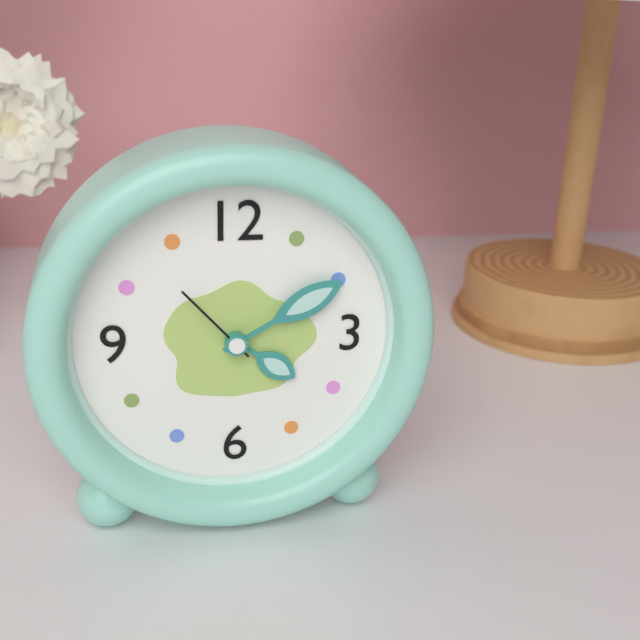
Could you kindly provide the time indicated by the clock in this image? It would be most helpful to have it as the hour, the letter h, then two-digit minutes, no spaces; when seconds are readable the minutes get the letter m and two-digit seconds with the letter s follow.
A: 4h10m53s
